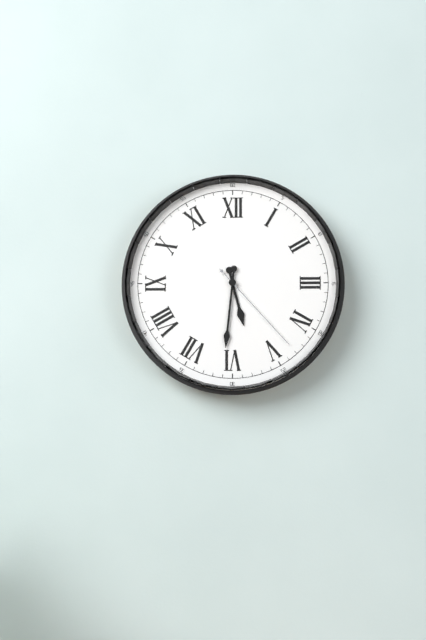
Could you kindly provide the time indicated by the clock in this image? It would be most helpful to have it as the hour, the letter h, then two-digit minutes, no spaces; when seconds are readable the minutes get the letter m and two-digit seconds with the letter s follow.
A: 5h31m23s
